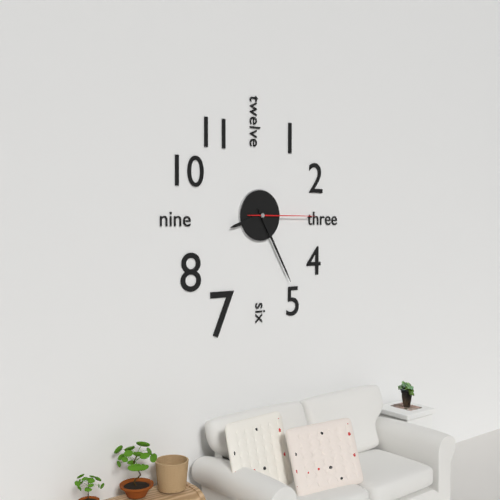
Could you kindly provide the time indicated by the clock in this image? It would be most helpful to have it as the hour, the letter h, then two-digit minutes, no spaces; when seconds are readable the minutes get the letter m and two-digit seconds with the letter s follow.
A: 8h25m15s
